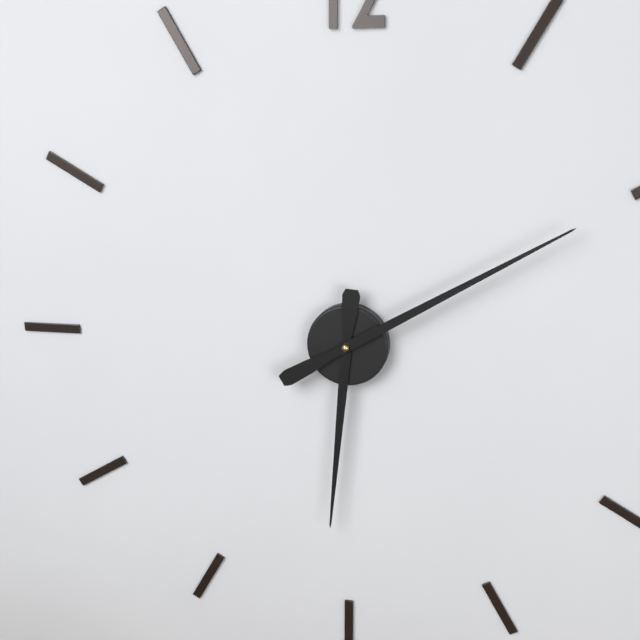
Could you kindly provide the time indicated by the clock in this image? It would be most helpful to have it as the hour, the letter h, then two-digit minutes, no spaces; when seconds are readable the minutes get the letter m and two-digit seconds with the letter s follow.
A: 6h10
